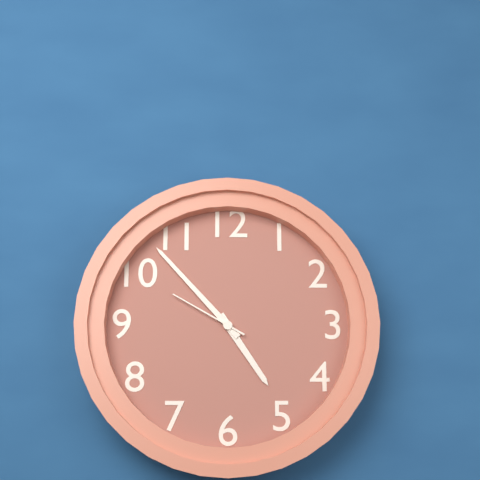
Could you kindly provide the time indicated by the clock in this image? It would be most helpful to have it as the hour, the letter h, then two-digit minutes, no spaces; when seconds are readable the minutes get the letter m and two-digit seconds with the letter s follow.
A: 4h53m50s
